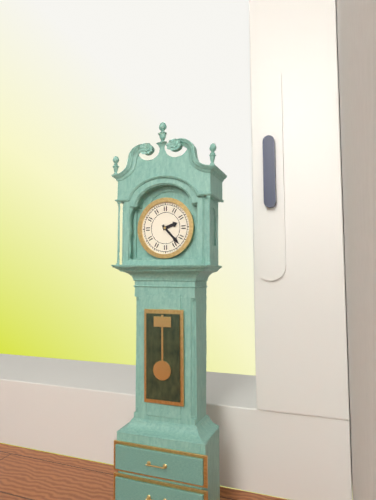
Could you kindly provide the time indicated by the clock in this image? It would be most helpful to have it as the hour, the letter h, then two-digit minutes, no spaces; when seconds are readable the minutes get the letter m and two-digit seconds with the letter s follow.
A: 2h23
